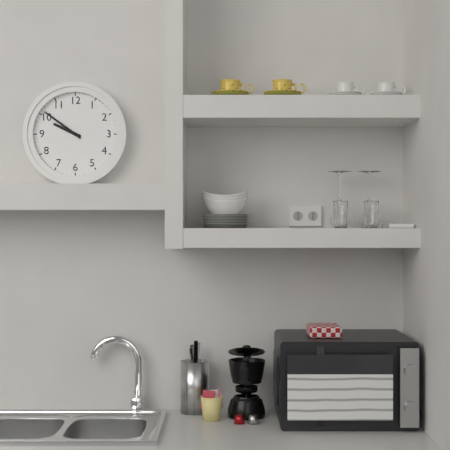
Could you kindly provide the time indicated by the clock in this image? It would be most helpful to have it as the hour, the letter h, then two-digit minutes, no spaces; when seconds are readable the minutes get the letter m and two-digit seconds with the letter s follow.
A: 9h51
